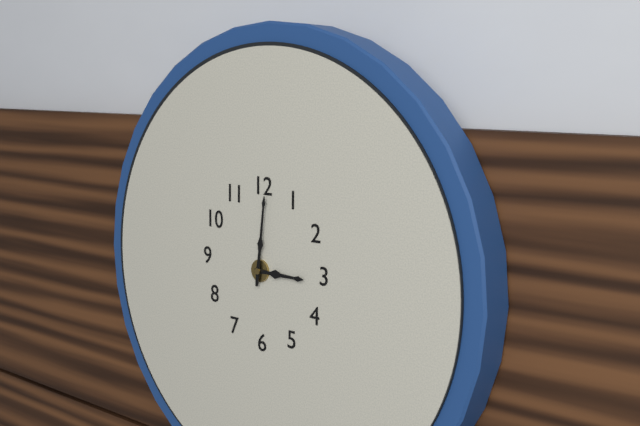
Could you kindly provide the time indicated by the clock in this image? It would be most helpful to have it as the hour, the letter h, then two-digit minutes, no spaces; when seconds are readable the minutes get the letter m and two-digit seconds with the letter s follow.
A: 3h01
